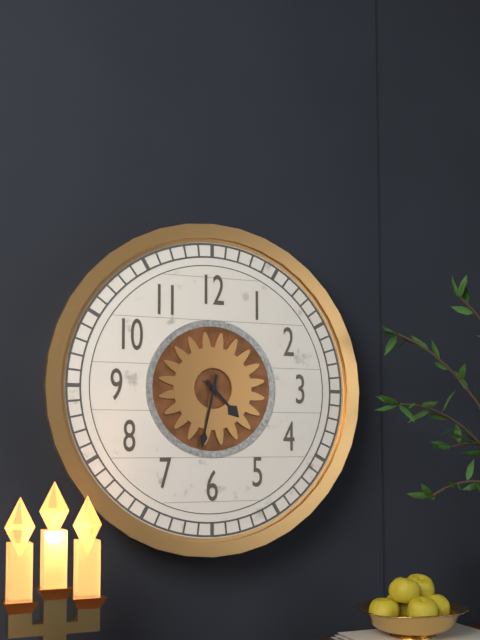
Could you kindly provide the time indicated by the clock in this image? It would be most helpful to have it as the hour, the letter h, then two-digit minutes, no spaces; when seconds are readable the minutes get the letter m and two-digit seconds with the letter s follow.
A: 4h32
